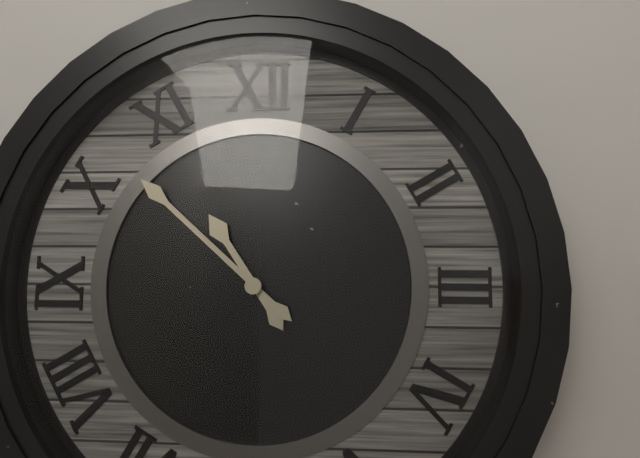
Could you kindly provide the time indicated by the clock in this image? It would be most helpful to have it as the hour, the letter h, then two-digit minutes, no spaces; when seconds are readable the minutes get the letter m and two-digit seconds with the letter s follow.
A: 10h52
